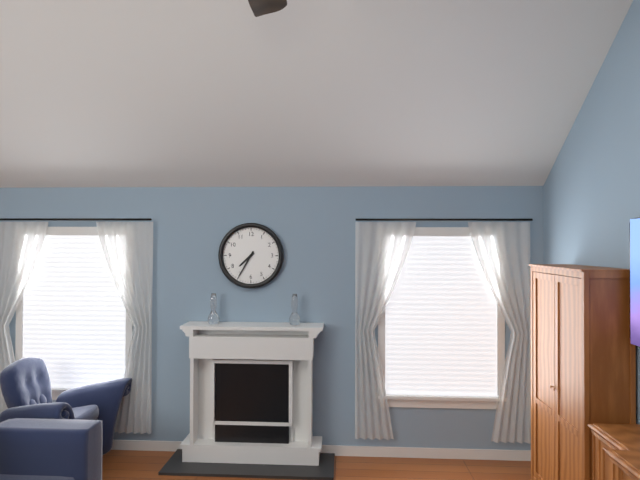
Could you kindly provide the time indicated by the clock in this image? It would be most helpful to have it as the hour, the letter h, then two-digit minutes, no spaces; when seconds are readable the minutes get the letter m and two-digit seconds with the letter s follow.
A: 7h35
